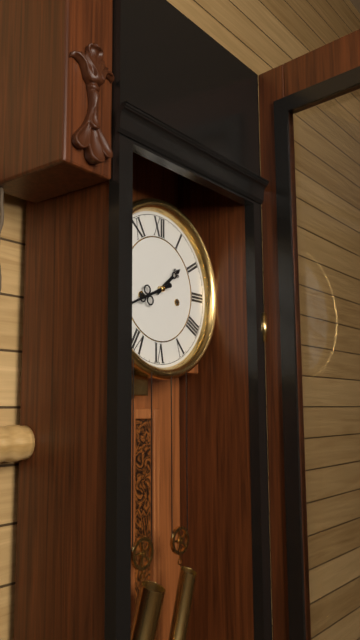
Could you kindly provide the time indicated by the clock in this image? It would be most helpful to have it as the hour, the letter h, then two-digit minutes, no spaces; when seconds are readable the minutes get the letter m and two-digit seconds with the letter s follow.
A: 1h41
